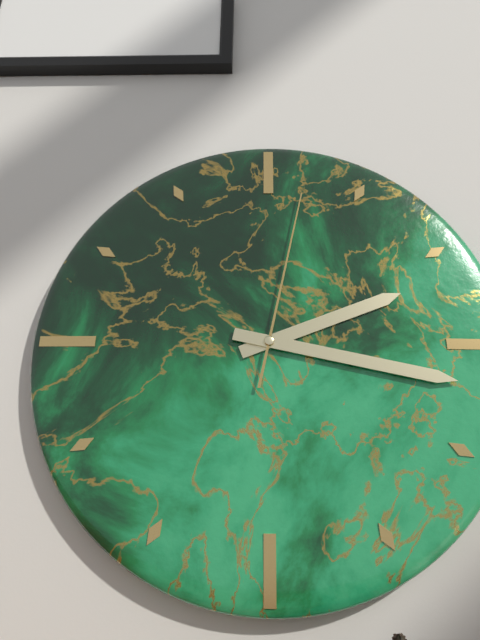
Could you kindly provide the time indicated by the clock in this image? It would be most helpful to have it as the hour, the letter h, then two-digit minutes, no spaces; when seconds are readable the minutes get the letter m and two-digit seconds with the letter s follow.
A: 2h17m02s
